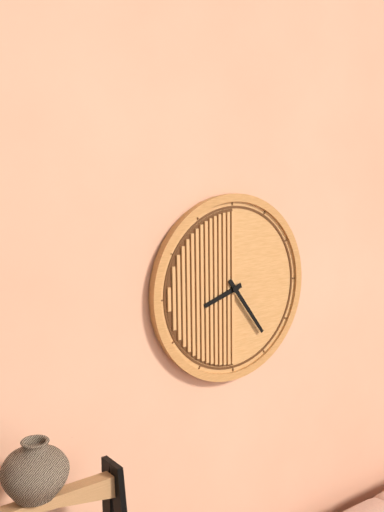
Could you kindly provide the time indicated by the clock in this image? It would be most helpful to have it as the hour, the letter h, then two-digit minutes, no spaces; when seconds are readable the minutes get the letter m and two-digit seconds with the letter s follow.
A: 8h24
